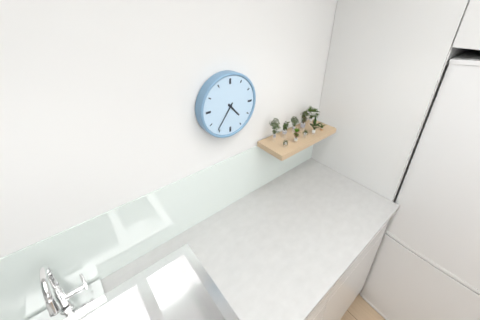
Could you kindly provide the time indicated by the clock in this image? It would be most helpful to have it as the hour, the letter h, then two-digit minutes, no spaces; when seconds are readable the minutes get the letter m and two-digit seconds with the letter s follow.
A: 4h36
